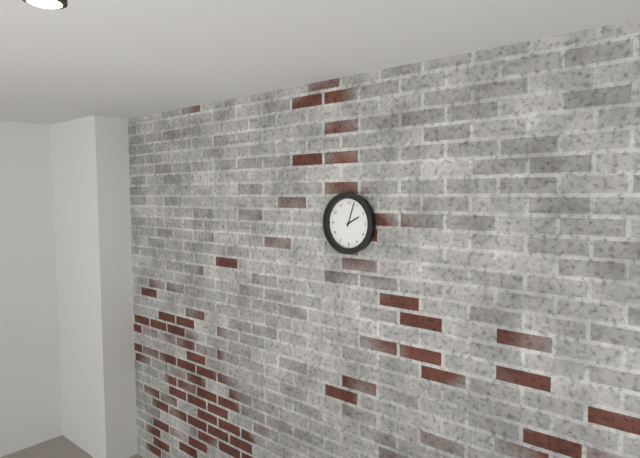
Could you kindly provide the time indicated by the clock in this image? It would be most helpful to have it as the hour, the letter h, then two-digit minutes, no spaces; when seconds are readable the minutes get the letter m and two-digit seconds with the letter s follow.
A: 2h03
